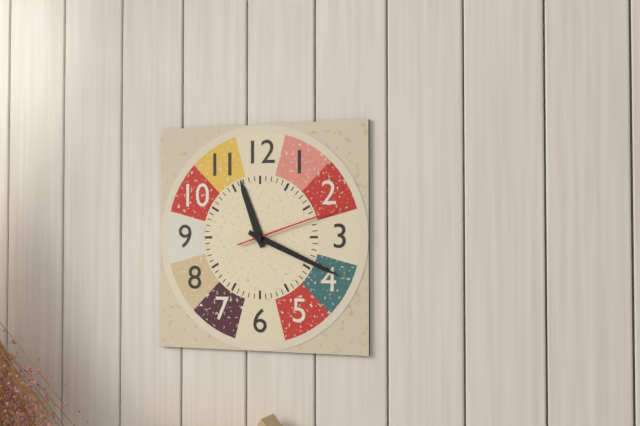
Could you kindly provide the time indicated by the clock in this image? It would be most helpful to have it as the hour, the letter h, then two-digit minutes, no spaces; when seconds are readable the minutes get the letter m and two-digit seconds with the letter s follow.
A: 11h19m12s
